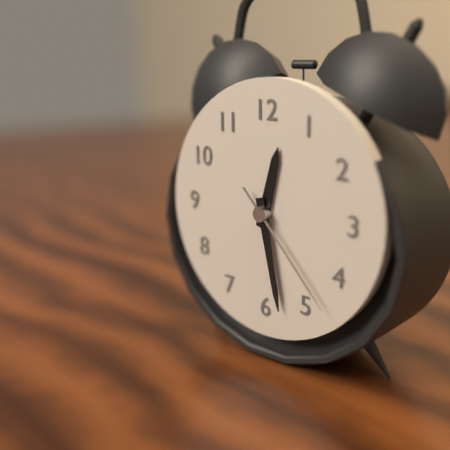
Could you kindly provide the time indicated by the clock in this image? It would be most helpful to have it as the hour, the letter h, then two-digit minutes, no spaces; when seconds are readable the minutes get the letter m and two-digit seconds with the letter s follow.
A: 12h28m23s
